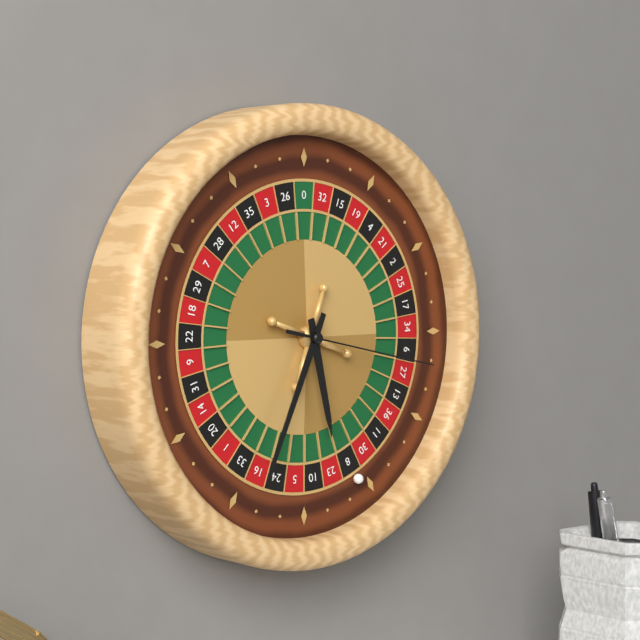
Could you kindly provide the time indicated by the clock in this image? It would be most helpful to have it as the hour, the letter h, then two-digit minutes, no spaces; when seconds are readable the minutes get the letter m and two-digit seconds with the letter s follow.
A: 5h34m17s
